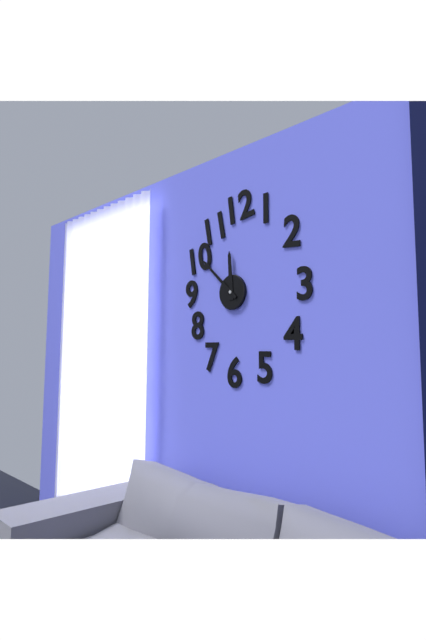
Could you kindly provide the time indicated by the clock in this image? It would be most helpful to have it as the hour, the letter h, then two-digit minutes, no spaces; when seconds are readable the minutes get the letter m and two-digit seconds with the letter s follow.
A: 11h52
